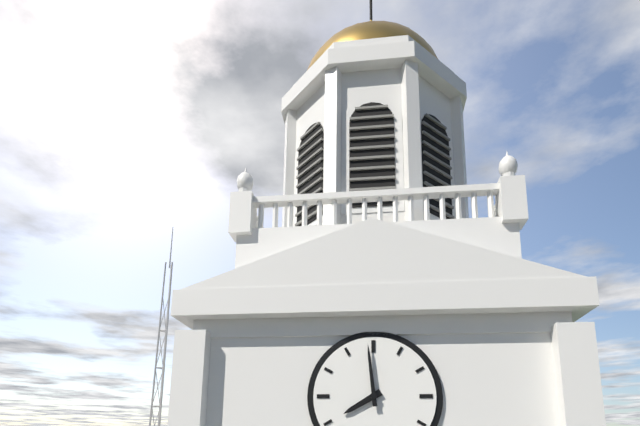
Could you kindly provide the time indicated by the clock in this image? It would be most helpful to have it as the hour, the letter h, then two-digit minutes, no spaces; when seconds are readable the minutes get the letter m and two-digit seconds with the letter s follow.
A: 7h59
